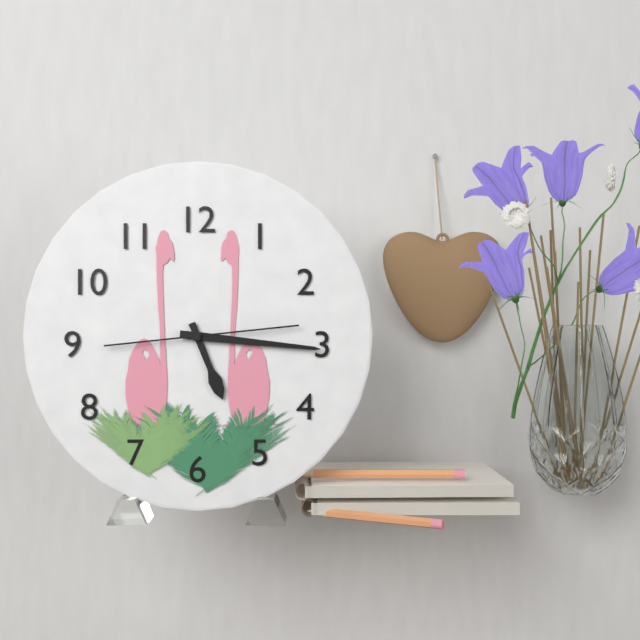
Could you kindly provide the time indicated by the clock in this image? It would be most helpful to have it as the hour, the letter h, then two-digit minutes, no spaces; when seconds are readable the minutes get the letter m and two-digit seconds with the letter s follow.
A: 5h16m14s
